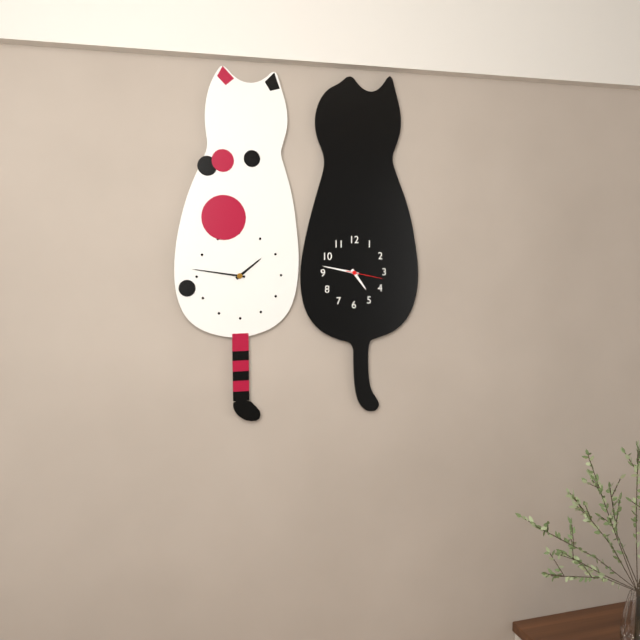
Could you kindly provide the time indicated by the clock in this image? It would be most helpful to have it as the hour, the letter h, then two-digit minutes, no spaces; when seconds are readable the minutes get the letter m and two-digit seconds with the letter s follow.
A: 4h47
